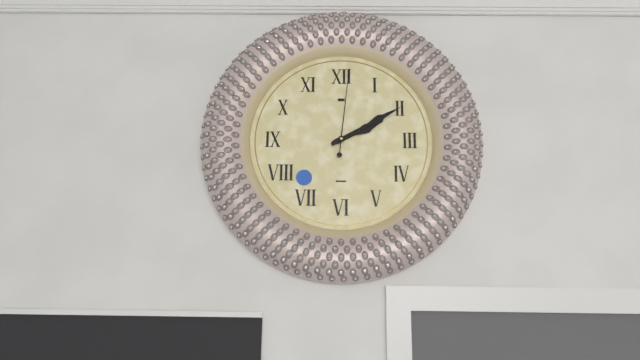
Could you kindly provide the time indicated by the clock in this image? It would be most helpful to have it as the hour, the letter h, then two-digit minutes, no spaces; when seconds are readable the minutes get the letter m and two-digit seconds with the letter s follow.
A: 2h10m01s
